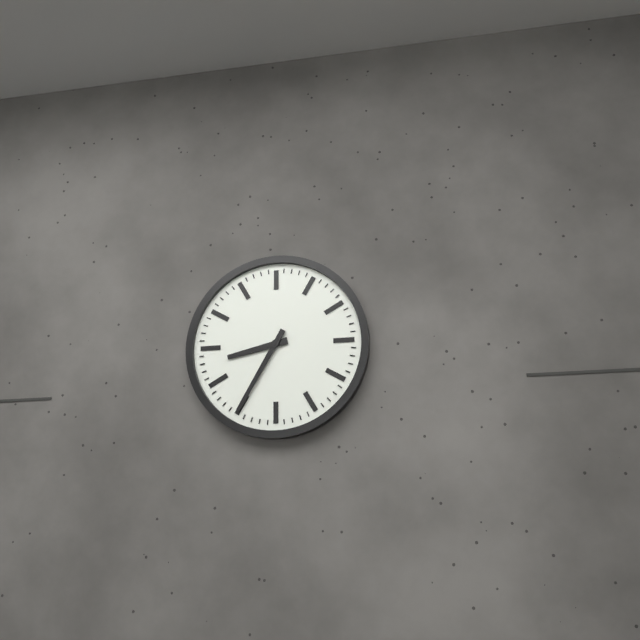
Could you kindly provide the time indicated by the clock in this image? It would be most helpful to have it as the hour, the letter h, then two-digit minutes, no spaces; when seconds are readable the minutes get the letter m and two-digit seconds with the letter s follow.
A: 8h35
